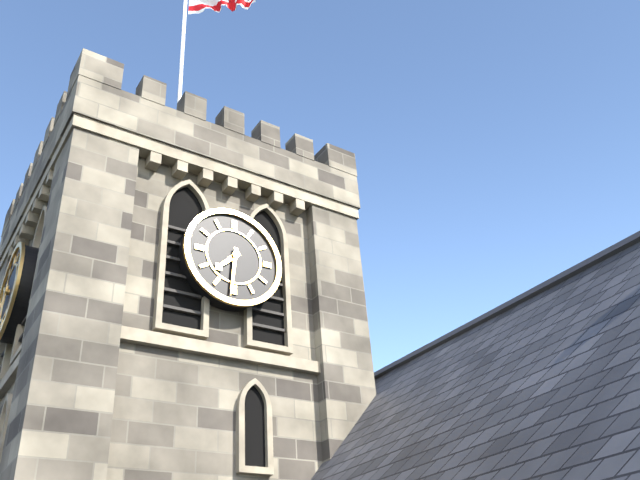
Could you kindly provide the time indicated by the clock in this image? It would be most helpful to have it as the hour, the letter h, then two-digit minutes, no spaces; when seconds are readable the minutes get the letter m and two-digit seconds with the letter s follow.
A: 7h31
